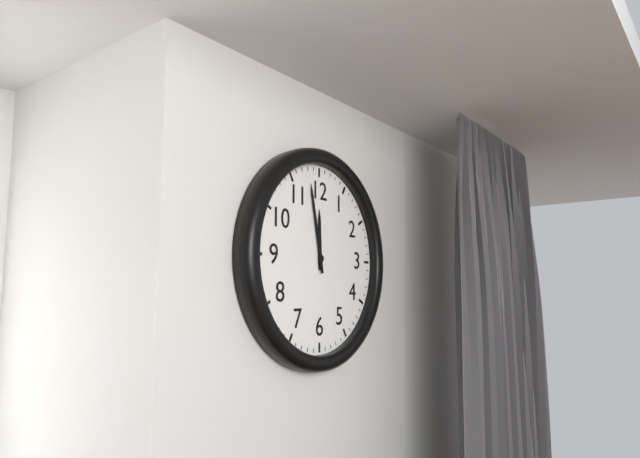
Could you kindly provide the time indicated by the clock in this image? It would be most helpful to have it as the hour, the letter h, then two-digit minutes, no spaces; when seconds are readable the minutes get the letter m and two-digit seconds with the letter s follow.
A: 11h58
